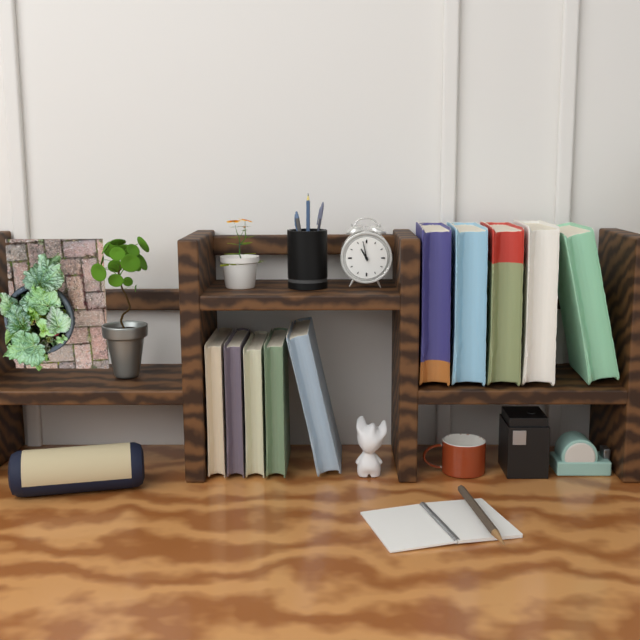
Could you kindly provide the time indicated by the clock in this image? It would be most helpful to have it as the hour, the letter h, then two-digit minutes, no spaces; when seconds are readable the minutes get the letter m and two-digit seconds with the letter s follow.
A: 10h58
